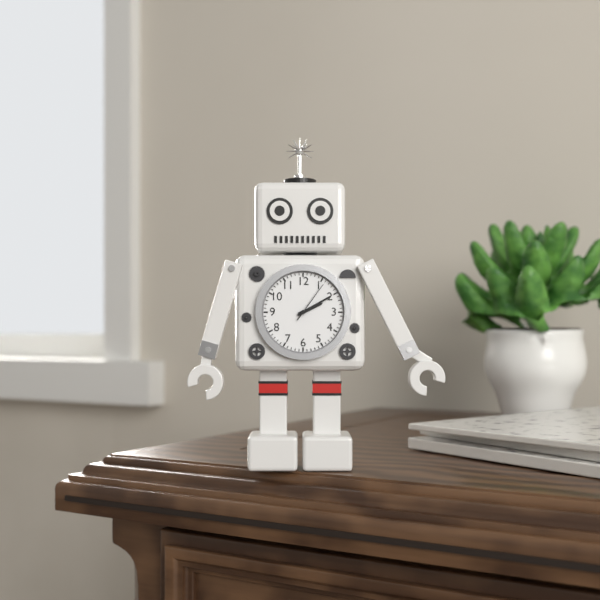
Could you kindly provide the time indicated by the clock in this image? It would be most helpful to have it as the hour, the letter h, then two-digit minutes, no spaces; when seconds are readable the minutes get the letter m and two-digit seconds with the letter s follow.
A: 2h10
